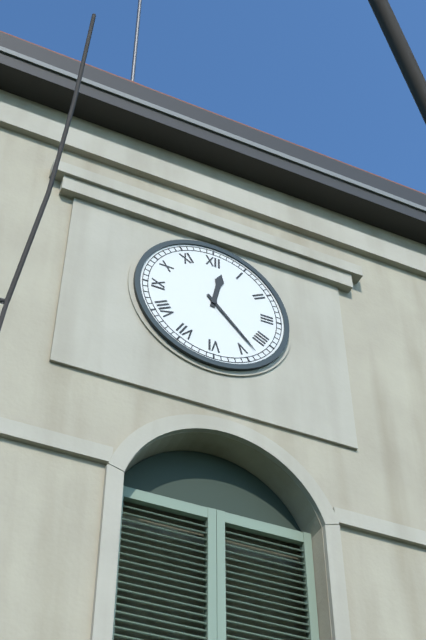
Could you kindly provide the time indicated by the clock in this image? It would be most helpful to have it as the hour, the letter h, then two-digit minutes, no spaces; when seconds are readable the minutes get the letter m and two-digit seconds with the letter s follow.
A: 12h23
